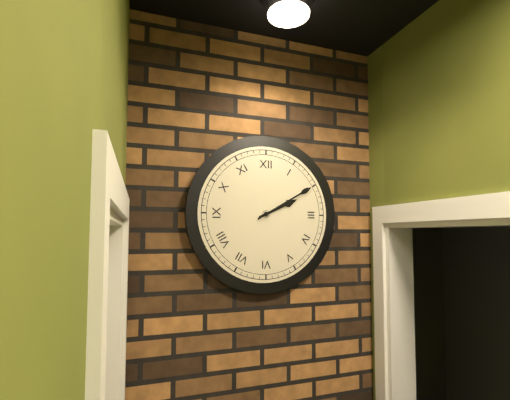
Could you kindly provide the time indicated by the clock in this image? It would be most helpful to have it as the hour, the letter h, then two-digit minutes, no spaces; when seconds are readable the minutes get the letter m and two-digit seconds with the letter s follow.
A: 2h10
